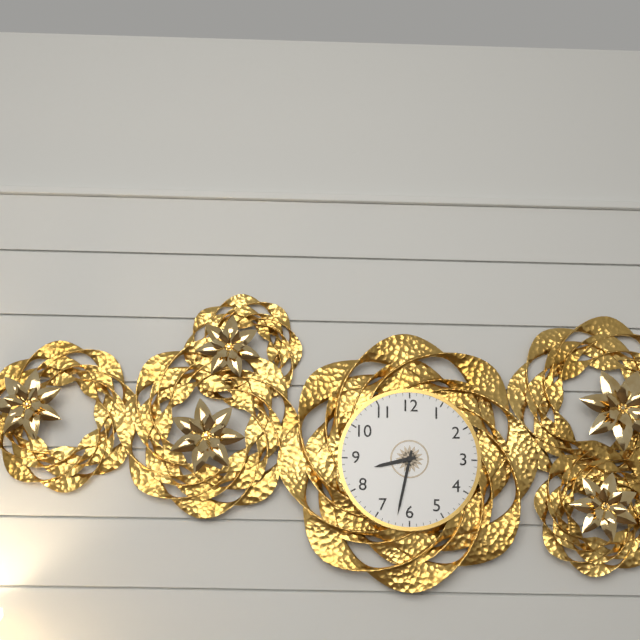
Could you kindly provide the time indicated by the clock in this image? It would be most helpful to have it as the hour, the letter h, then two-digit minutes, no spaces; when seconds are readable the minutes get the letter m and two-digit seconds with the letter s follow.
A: 8h32
